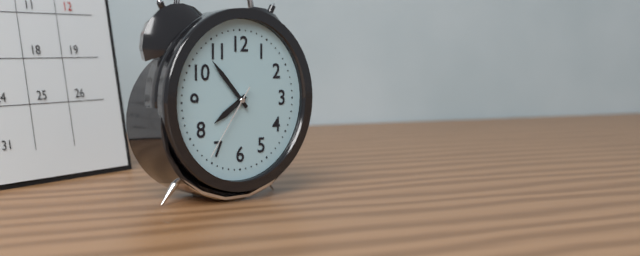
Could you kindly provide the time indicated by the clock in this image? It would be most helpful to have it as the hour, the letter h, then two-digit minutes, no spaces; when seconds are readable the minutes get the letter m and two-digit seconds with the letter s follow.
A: 7h53m36s
